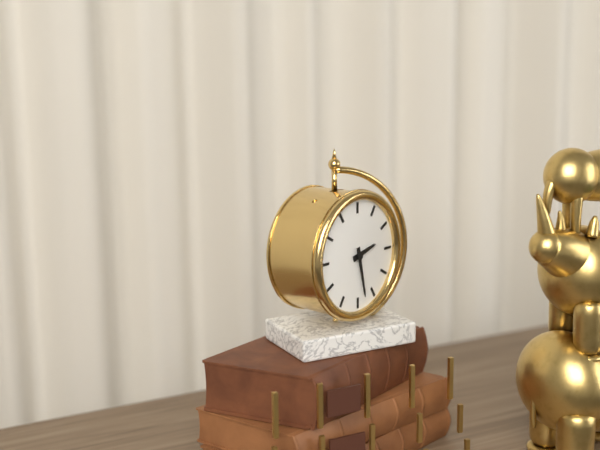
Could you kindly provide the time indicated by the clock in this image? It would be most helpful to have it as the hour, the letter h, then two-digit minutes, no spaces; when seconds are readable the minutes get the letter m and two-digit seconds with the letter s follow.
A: 2h28
